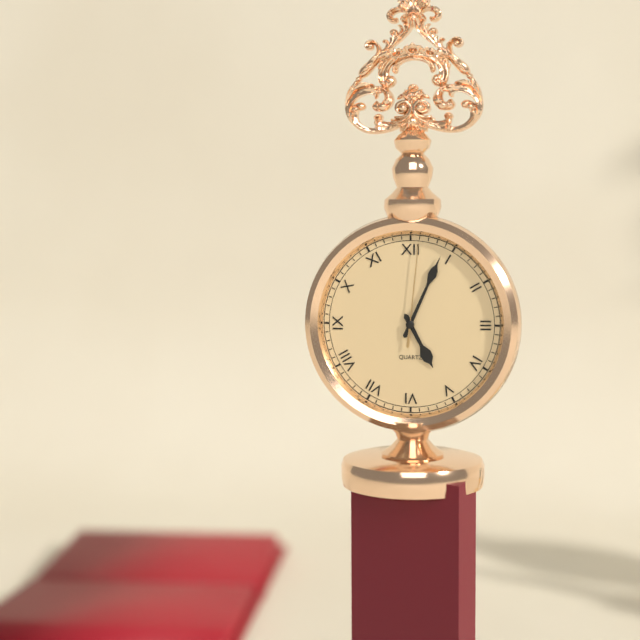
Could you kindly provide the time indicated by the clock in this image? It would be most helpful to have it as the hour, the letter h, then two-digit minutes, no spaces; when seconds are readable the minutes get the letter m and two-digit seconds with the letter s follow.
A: 5h04m01s
